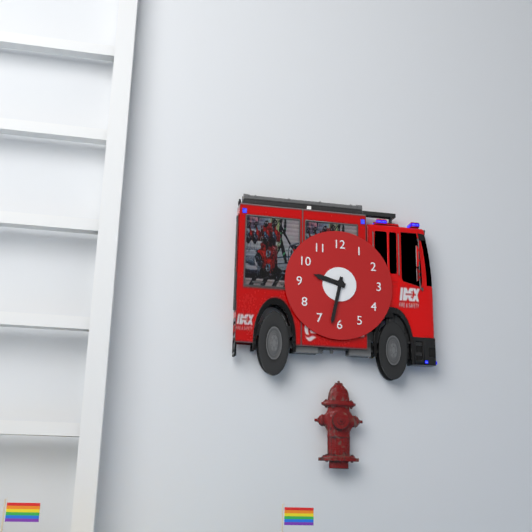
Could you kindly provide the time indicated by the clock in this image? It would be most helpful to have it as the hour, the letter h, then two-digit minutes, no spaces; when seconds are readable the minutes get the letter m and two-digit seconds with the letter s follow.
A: 9h32
